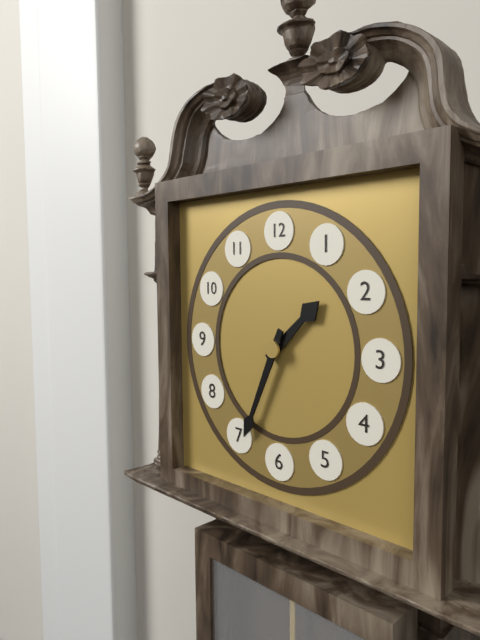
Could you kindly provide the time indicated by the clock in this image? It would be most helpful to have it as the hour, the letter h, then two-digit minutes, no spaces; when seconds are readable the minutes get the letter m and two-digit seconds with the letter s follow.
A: 1h34
